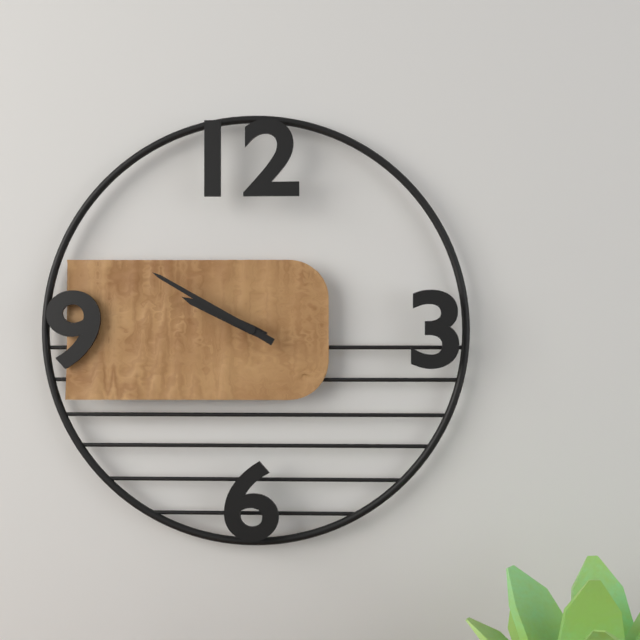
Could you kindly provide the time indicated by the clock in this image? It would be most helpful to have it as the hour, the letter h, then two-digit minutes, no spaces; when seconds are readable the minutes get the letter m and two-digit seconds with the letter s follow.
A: 9h50
